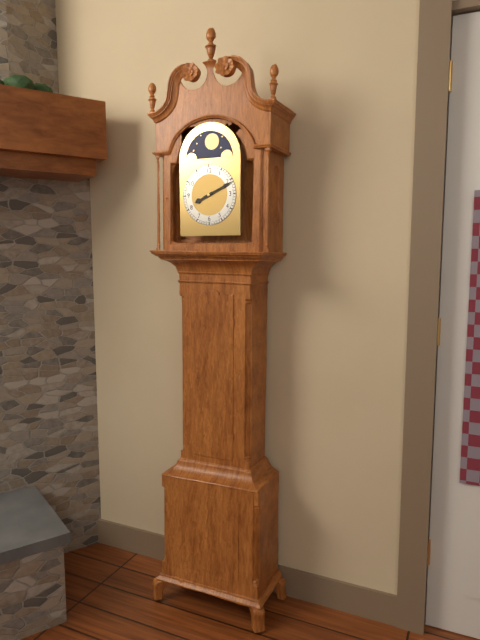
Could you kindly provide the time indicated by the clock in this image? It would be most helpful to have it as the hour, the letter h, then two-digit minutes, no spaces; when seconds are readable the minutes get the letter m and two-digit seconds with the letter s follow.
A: 8h11
